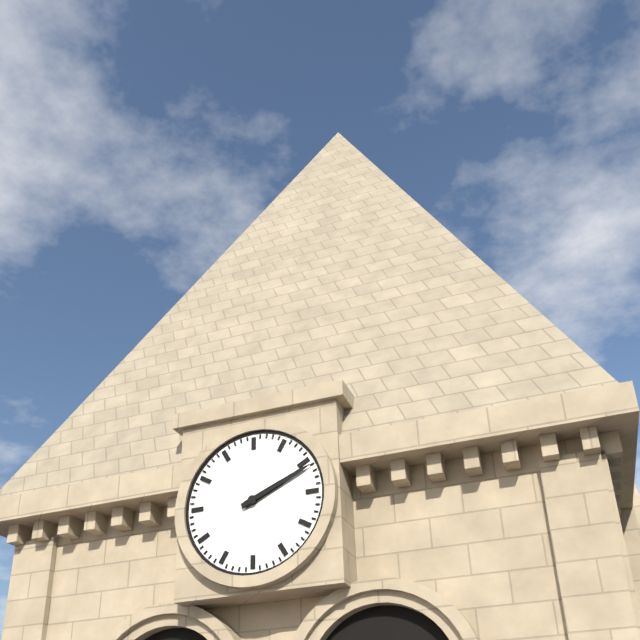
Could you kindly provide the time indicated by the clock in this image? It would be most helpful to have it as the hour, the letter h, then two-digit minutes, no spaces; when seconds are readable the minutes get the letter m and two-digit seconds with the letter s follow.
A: 2h11
